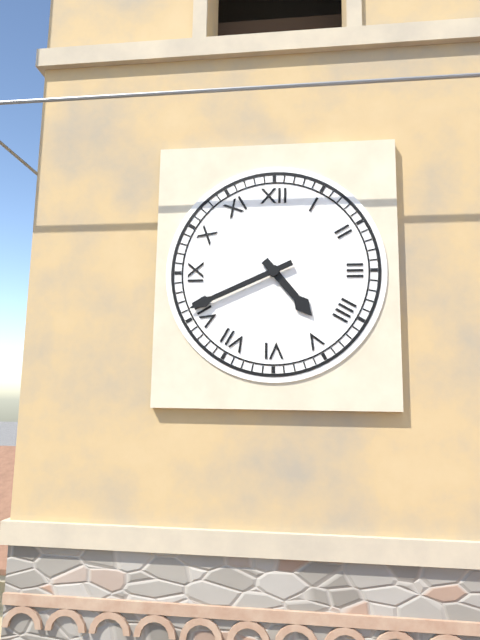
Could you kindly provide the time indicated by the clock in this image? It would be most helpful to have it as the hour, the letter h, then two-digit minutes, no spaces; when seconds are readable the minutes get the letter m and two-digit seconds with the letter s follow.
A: 4h41
